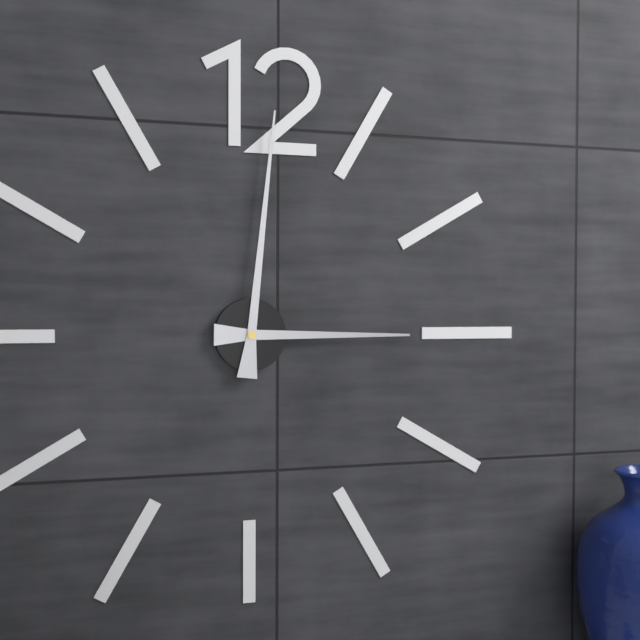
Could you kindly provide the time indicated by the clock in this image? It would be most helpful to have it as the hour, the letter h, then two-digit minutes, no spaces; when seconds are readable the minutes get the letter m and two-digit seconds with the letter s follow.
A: 3h01
